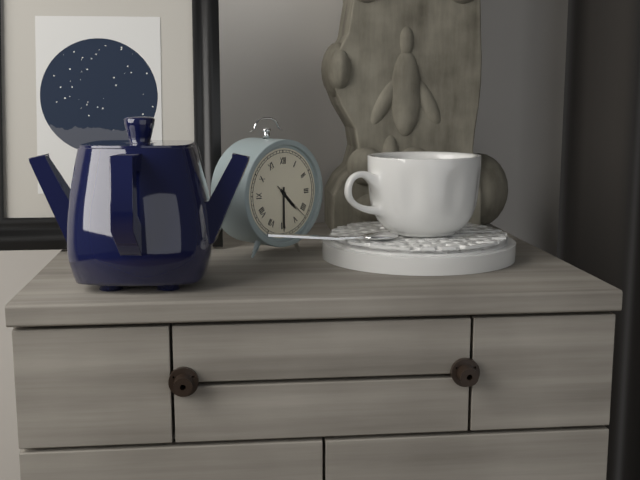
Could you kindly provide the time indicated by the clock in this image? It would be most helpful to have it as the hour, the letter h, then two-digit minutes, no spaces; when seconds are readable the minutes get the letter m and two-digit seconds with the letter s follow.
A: 4h30
